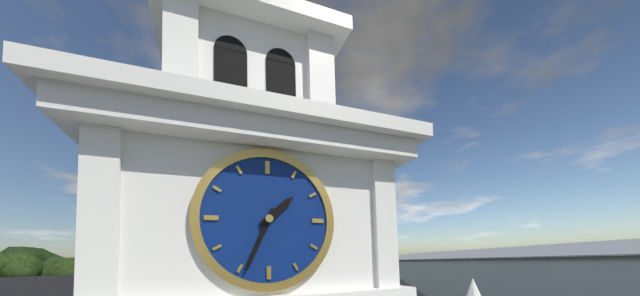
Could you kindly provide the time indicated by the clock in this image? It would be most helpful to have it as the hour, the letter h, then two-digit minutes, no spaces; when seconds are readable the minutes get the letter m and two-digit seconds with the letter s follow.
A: 1h34
